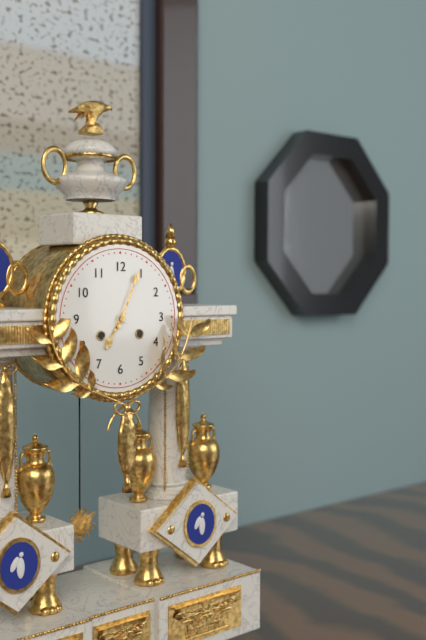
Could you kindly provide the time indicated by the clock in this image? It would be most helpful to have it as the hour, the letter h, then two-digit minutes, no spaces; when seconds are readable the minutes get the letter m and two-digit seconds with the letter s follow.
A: 7h04
